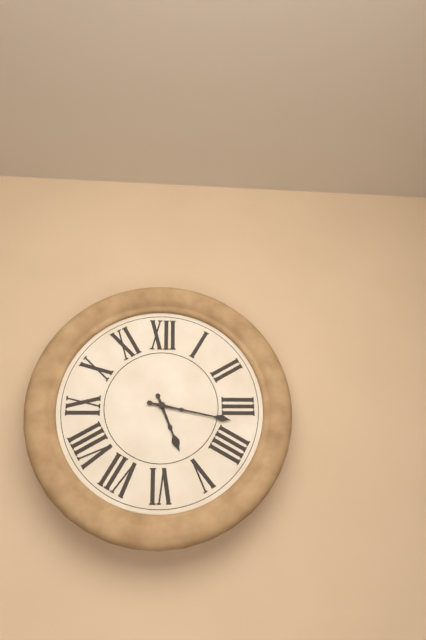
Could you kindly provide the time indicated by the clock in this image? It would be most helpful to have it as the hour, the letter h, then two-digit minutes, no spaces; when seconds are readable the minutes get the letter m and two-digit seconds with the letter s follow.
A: 5h17
